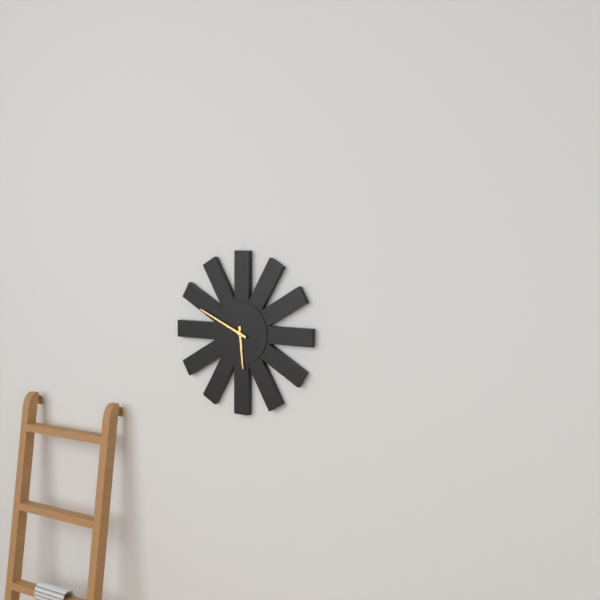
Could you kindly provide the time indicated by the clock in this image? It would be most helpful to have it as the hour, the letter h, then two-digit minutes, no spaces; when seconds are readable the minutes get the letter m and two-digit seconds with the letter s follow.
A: 5h49
